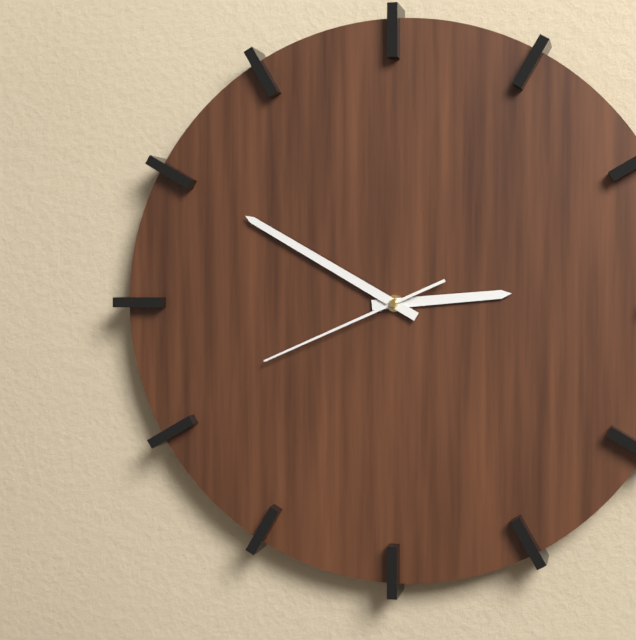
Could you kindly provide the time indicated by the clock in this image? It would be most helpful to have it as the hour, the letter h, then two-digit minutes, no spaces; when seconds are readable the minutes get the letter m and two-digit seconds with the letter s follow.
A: 2h50m41s
